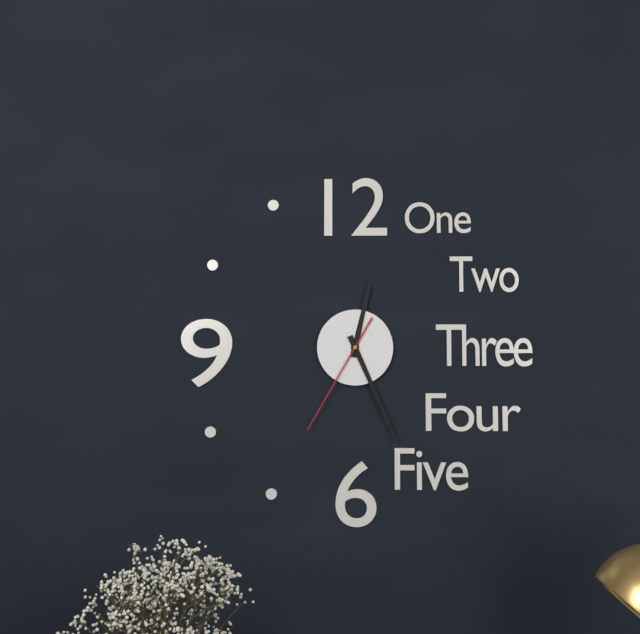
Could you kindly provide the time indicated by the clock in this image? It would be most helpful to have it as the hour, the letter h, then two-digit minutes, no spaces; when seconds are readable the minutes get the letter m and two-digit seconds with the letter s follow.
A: 12h26m35s
